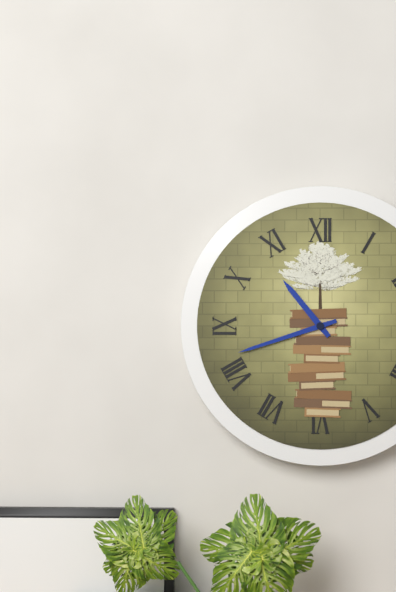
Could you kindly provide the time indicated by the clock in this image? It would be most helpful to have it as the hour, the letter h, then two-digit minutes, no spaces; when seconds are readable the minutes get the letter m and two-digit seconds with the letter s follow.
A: 10h42
